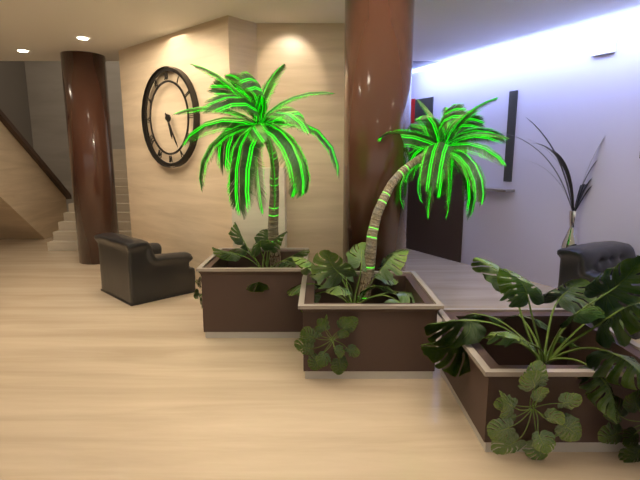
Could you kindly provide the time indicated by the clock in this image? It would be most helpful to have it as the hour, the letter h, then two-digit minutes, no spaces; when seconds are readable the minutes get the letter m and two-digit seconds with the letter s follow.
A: 5h25
